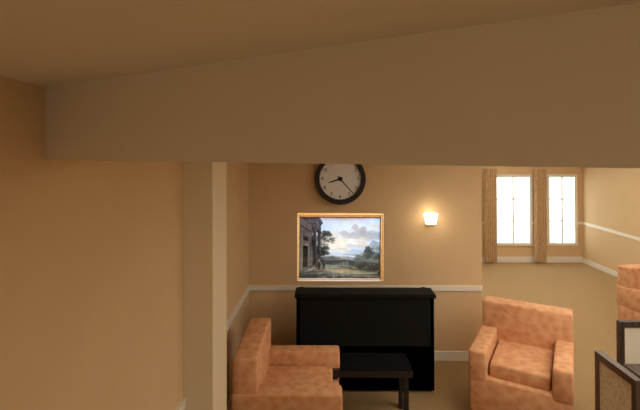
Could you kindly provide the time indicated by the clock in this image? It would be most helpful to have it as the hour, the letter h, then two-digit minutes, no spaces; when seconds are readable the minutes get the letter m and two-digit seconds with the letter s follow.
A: 8h23
